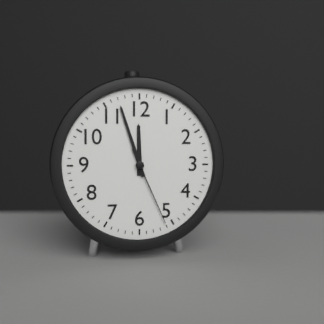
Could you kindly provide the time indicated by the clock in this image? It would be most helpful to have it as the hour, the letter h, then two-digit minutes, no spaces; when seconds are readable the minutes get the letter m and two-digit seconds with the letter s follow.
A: 11h57m26s
